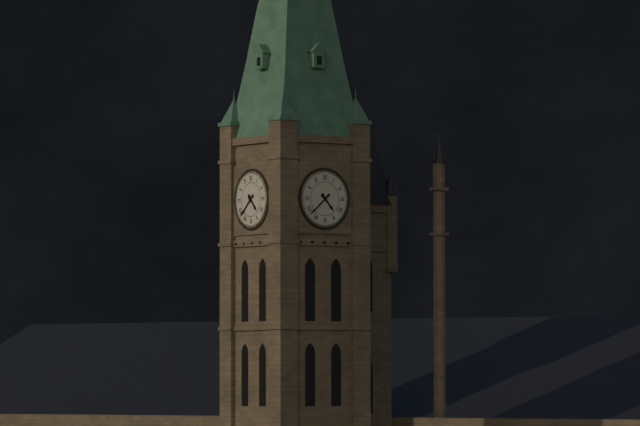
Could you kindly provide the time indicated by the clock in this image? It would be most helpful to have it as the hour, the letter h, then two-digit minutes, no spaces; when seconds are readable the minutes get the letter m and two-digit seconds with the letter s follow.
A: 4h38
